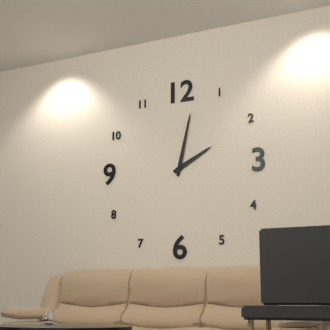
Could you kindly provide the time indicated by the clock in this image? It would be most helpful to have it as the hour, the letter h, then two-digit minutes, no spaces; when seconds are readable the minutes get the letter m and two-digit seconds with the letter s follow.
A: 2h02
